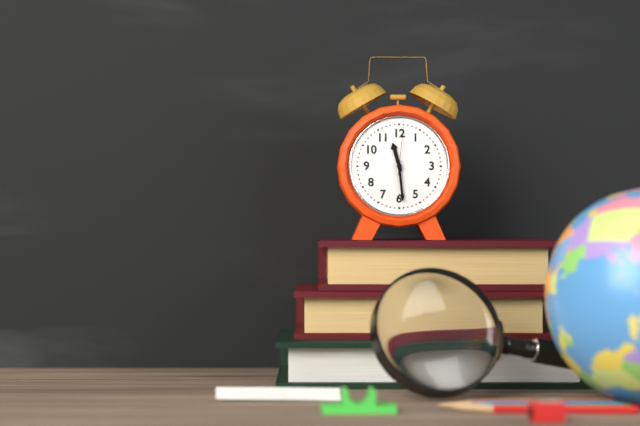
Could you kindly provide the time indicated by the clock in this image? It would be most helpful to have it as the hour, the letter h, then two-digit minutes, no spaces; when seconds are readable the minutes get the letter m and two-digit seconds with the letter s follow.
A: 11h29
